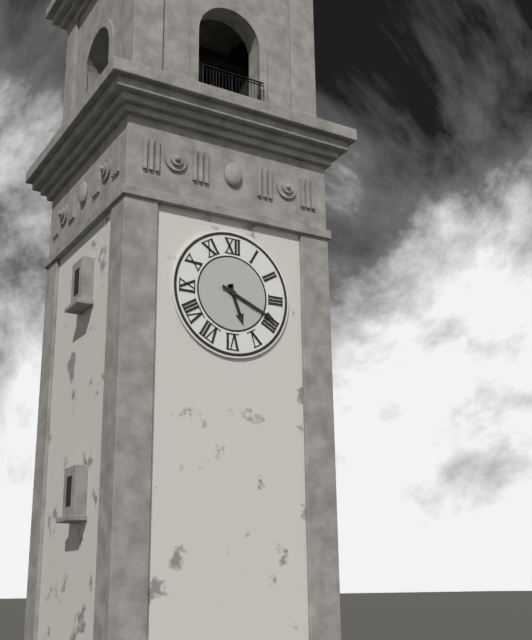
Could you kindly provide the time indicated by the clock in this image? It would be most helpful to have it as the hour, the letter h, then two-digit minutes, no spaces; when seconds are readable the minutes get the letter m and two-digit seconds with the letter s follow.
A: 5h19
